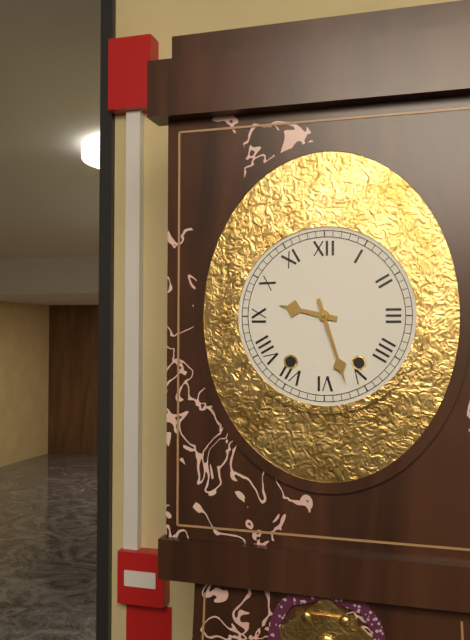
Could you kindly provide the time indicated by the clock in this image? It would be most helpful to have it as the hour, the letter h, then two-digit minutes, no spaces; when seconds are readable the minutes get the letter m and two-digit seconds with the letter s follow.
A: 9h27
